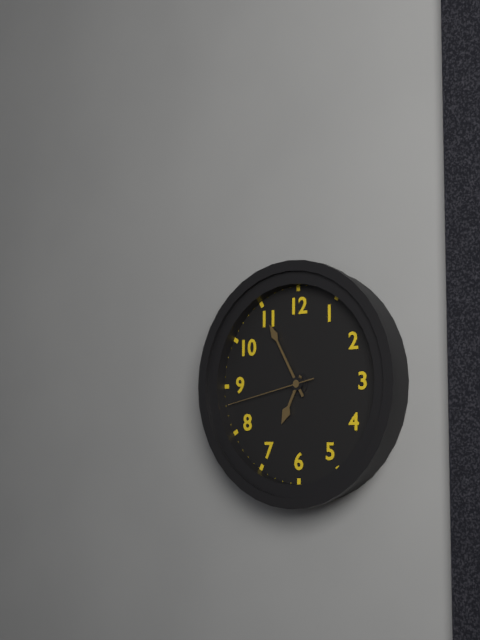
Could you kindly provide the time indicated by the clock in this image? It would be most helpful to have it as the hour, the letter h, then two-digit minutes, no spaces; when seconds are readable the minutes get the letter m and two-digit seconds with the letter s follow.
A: 6h55m43s
